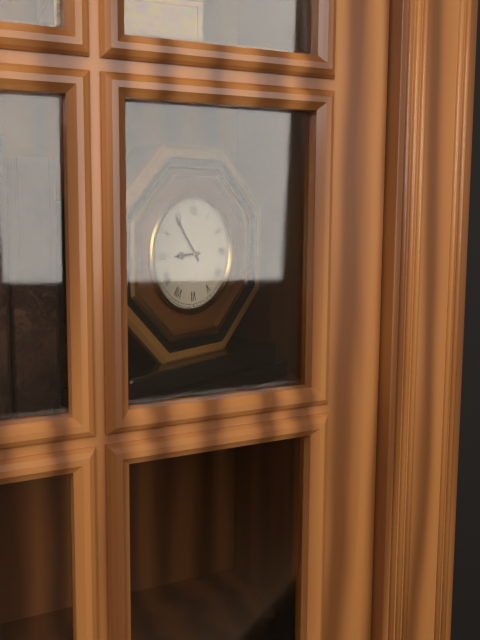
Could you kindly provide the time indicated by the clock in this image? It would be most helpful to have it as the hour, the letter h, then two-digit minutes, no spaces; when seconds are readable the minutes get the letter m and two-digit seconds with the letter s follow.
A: 8h54
